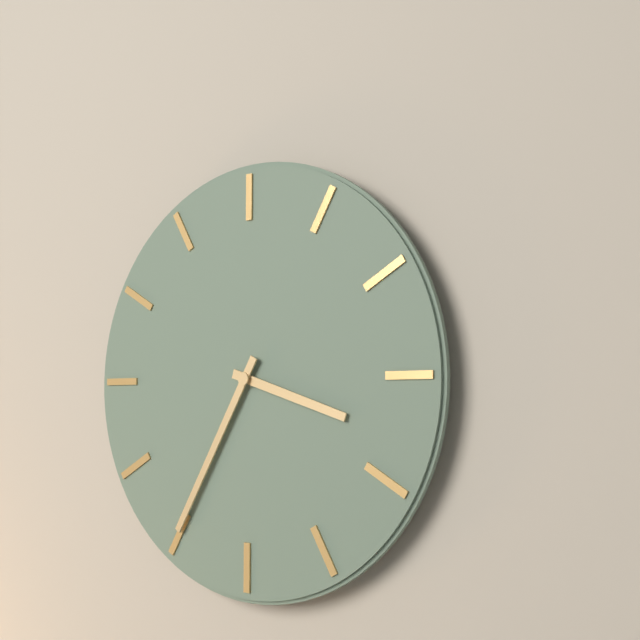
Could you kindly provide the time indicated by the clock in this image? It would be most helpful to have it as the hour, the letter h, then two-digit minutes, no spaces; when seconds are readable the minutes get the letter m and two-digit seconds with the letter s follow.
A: 3h35
